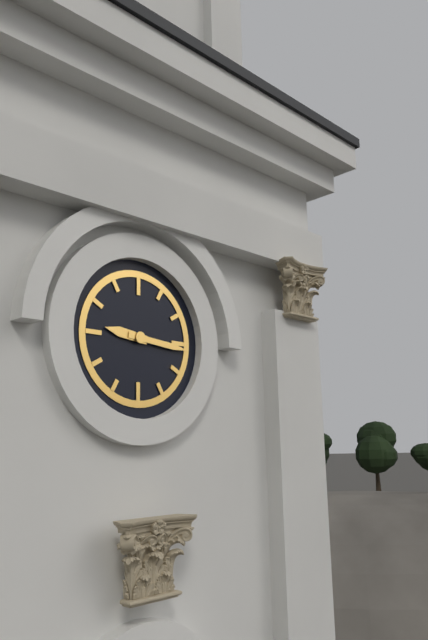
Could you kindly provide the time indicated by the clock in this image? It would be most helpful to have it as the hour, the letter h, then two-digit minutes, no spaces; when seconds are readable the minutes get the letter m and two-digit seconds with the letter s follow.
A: 9h16
